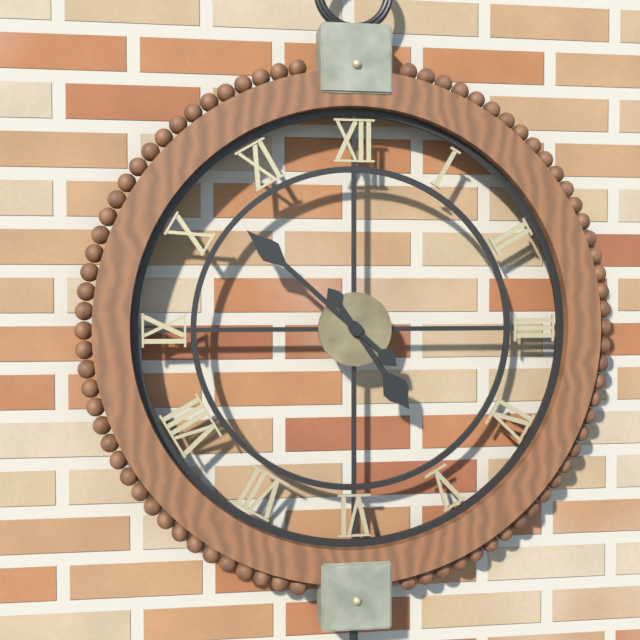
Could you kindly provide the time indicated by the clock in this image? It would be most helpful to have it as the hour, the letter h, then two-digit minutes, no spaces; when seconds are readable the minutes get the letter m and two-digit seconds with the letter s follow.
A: 4h52
